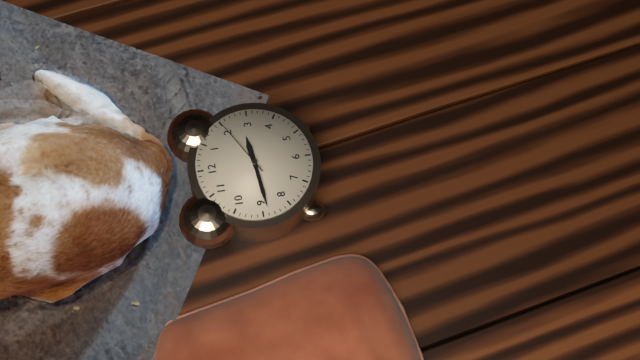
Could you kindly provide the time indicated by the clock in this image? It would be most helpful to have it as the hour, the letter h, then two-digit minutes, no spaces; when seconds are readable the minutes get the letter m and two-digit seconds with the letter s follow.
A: 2h44m10s
